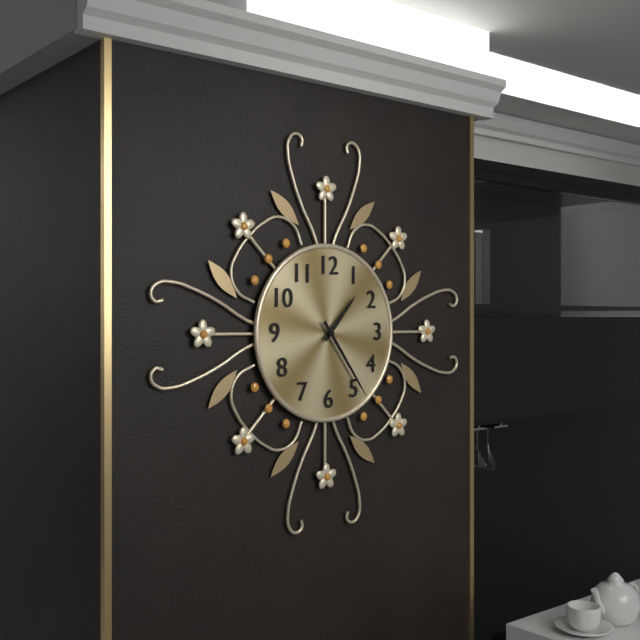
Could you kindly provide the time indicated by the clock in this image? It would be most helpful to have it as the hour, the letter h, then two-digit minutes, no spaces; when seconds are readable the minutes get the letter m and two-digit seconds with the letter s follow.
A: 1h24
